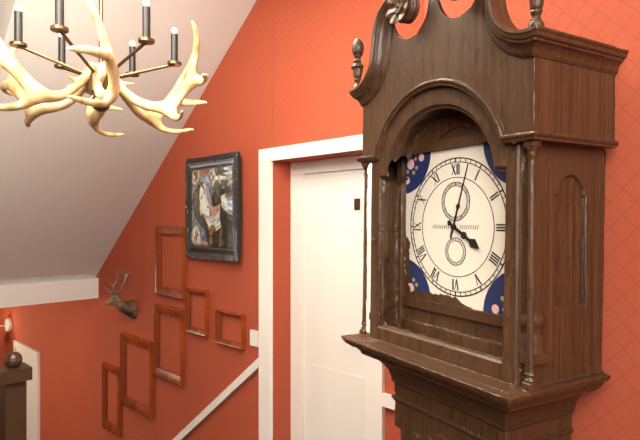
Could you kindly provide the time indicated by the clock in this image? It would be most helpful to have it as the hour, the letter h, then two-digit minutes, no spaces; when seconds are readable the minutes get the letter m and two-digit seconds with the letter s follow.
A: 4h03
